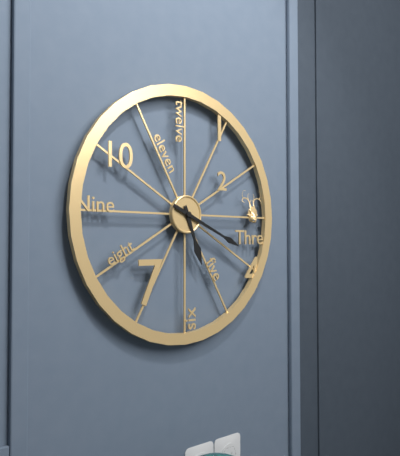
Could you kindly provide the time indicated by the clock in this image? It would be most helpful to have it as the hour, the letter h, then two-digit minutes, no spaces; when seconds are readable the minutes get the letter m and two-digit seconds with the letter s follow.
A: 5h19
